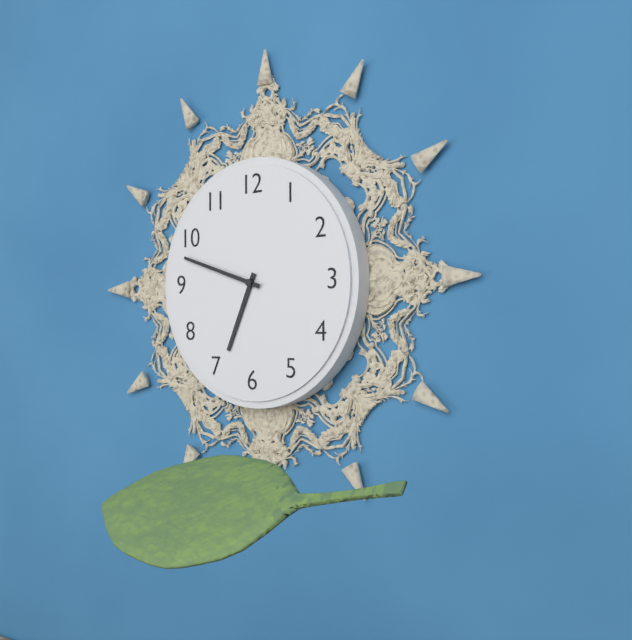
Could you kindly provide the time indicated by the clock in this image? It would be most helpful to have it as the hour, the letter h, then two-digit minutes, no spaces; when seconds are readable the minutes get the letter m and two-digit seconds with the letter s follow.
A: 6h48
